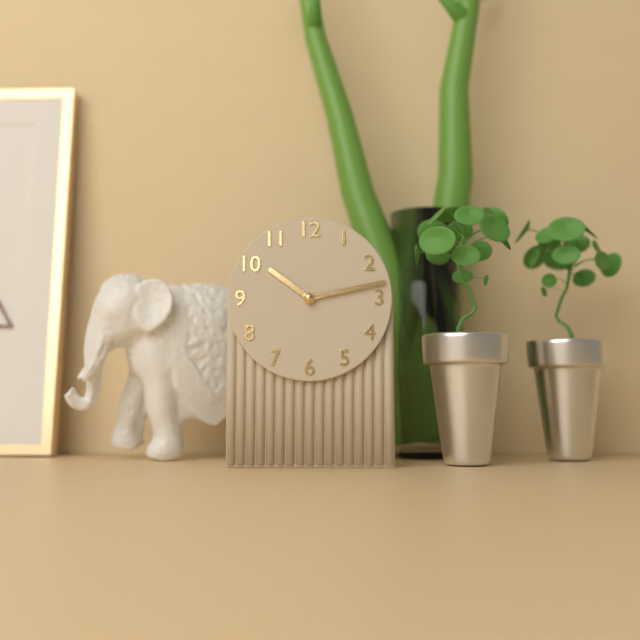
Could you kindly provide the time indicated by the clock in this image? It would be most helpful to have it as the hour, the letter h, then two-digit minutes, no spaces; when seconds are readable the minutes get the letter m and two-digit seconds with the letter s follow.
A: 10h13
